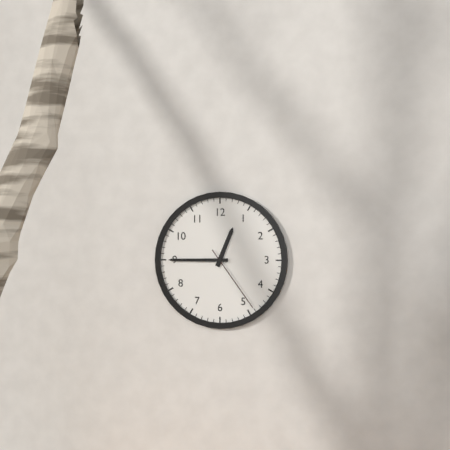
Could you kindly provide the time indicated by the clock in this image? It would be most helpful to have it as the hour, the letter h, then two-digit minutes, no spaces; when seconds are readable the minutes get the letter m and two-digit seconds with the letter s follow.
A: 12h45m24s
